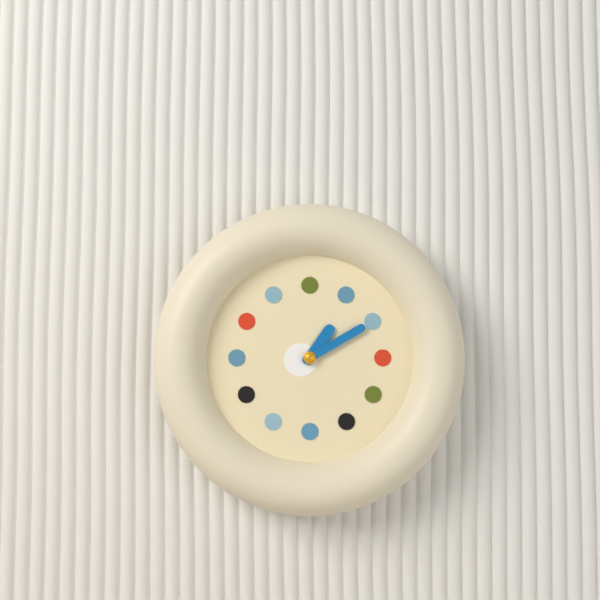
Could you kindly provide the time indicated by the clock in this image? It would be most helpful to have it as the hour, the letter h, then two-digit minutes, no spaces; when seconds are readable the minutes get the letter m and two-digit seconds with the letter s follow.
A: 1h10
